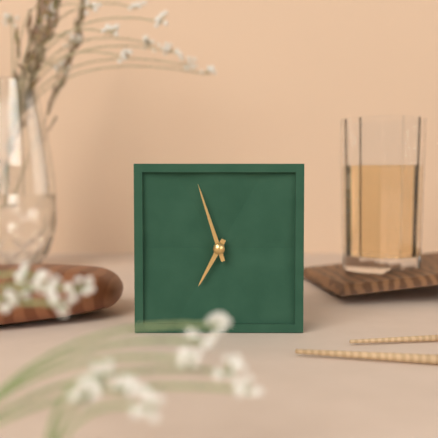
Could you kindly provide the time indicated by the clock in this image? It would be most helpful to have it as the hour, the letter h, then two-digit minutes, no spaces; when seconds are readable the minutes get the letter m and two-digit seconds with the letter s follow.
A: 6h57
